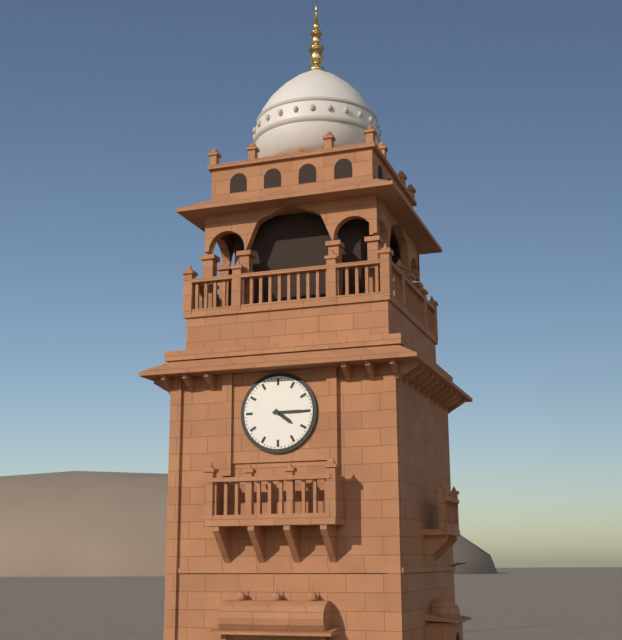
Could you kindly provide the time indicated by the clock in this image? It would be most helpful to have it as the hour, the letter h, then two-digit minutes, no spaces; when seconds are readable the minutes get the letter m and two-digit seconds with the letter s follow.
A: 4h15
